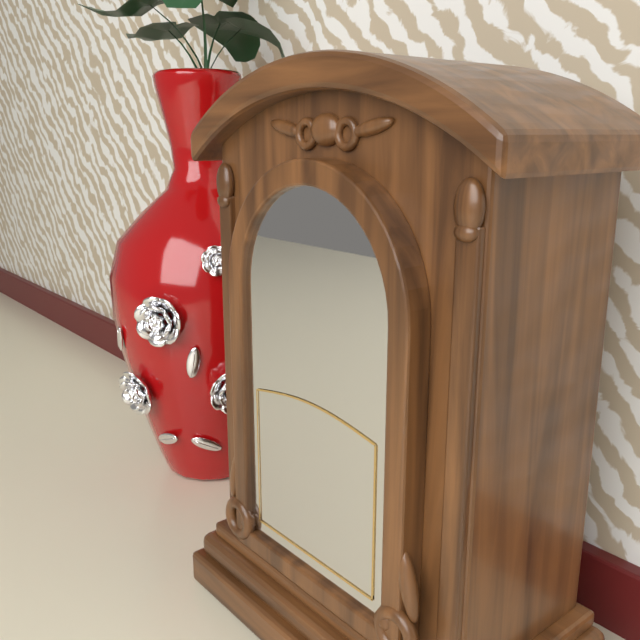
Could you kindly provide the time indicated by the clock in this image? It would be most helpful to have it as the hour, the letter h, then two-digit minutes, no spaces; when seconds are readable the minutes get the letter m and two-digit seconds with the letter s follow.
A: 12h00
